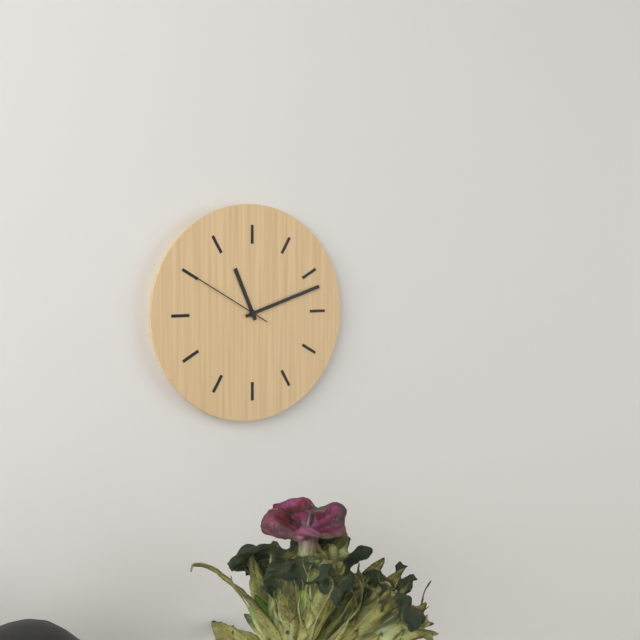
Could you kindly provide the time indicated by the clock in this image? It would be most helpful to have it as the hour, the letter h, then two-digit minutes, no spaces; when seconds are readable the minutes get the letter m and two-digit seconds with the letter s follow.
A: 11h12m50s
